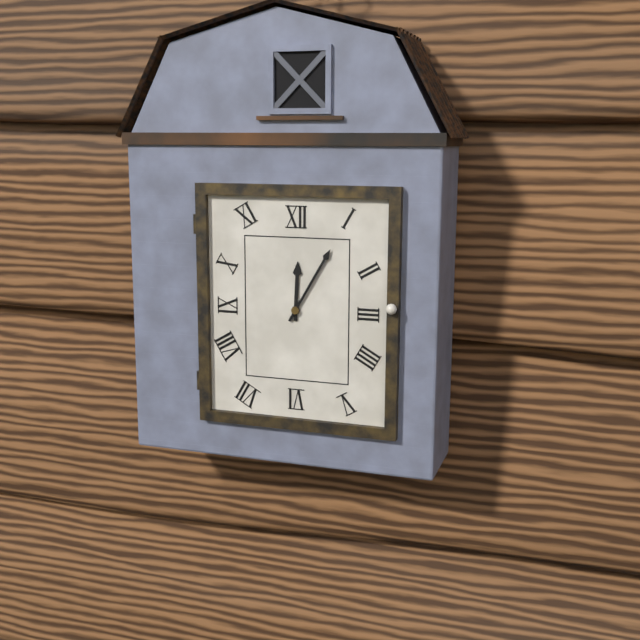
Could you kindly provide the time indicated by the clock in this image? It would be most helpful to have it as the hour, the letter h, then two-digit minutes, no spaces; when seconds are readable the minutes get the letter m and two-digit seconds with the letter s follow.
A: 12h05
